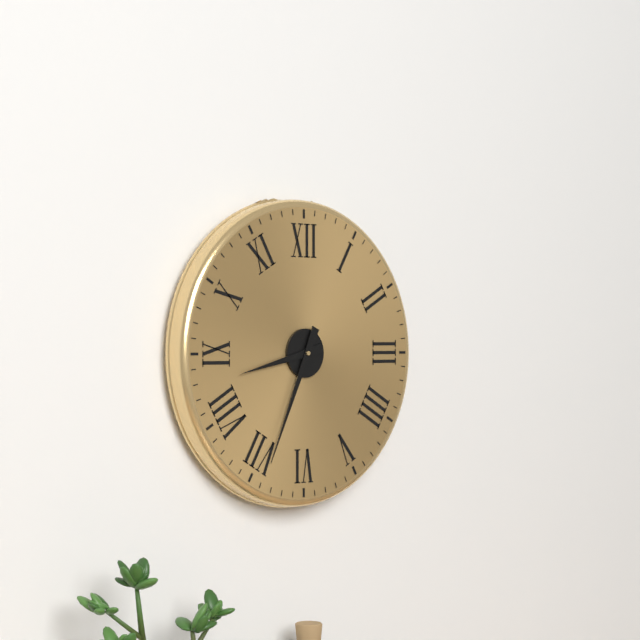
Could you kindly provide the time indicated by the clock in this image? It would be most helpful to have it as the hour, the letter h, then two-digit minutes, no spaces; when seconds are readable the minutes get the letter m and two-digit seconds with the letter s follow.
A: 8h34
